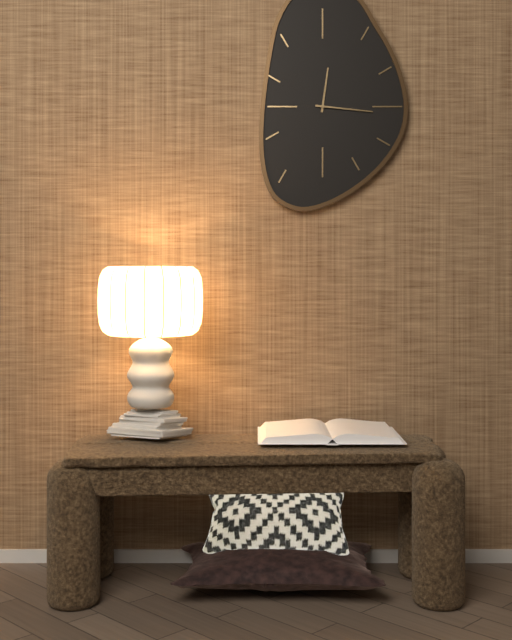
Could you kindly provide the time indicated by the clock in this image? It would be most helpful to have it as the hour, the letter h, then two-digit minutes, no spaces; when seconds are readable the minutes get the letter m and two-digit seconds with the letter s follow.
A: 12h16
